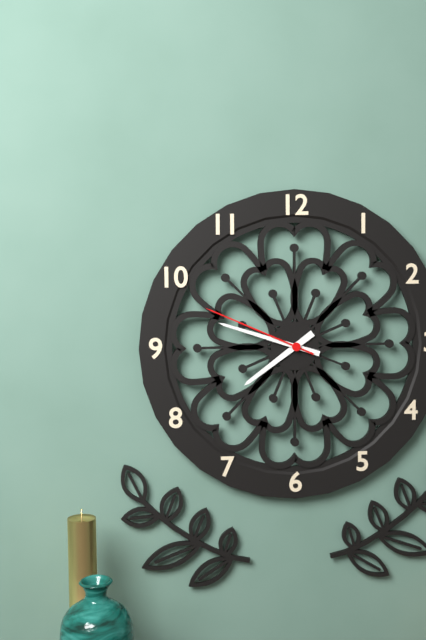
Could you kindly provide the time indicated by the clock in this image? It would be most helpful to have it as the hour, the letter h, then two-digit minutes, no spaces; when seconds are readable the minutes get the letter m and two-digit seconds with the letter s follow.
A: 7h48m49s
